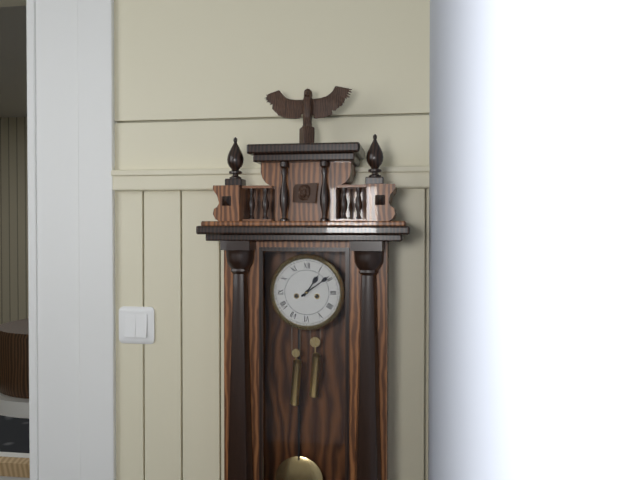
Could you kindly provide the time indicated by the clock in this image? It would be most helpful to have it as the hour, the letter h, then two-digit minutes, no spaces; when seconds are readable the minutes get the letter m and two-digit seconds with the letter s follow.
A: 1h09
